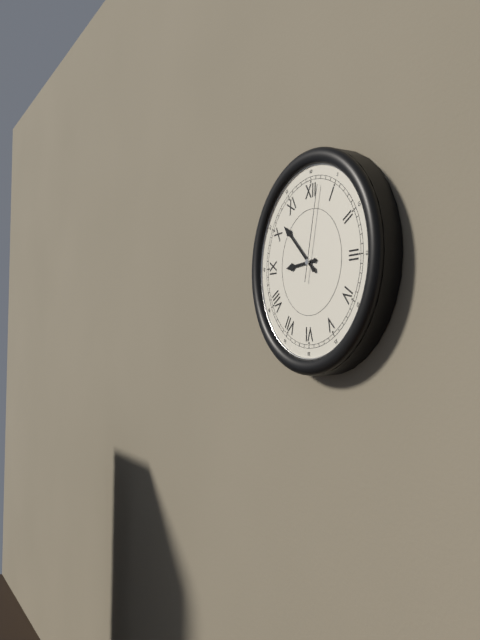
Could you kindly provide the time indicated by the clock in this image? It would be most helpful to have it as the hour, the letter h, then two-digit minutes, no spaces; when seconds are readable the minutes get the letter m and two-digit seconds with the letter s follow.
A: 8h52m02s
